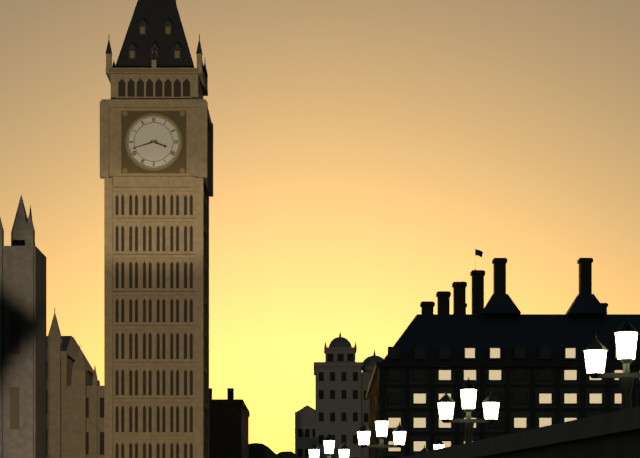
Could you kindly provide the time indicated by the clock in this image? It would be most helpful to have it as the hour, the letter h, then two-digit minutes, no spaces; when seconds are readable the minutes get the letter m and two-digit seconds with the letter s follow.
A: 3h42
